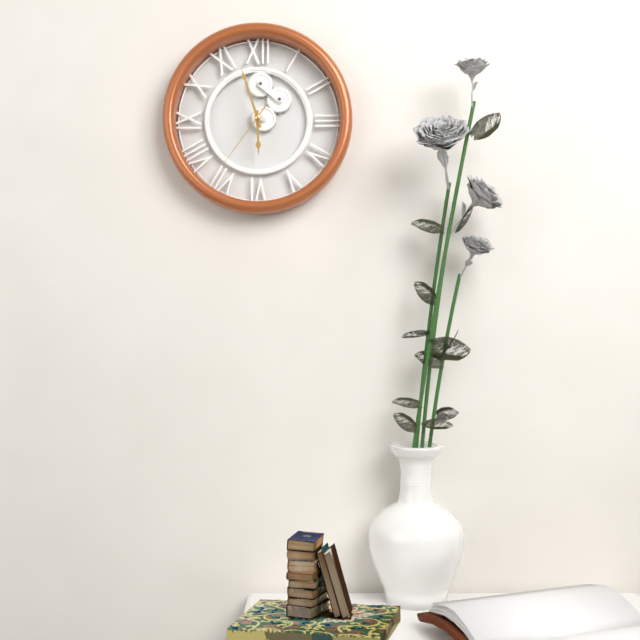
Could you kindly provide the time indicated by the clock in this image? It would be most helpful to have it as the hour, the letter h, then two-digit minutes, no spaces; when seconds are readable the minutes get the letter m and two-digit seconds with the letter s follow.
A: 5h57m36s
